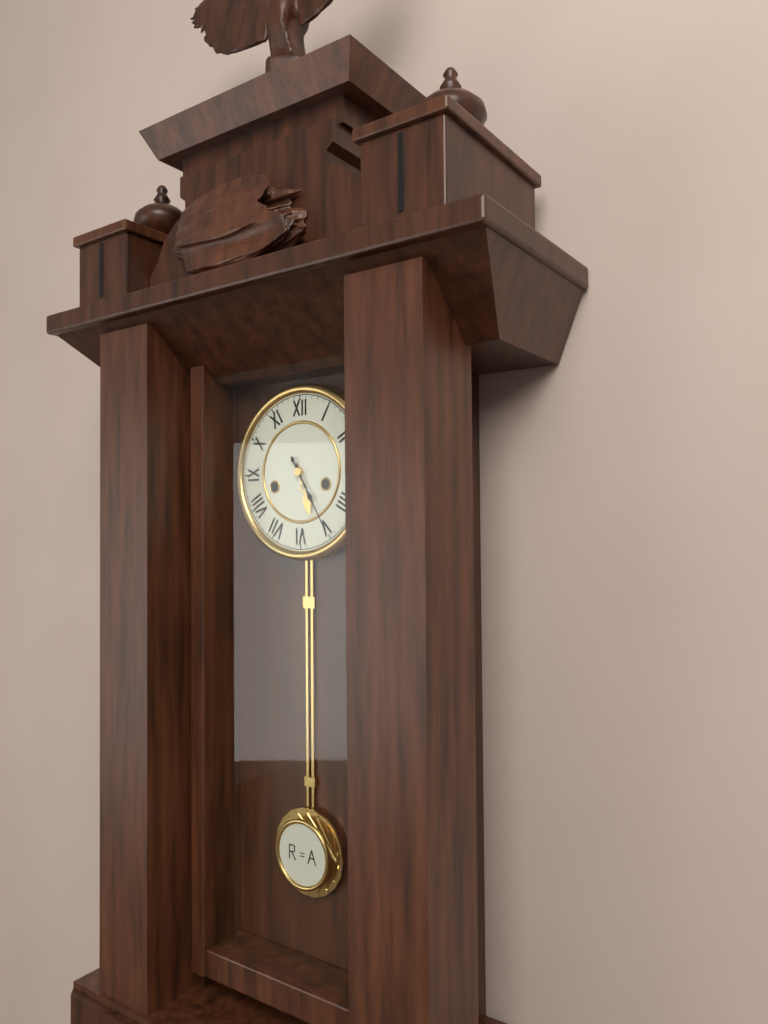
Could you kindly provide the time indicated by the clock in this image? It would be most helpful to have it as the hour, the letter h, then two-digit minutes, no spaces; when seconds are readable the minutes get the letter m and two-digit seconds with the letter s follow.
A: 5h25
